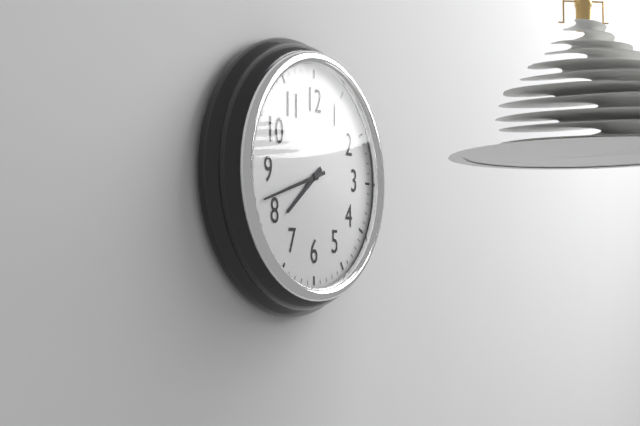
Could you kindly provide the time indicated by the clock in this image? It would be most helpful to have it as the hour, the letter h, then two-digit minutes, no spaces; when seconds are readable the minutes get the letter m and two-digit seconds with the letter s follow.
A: 7h42
